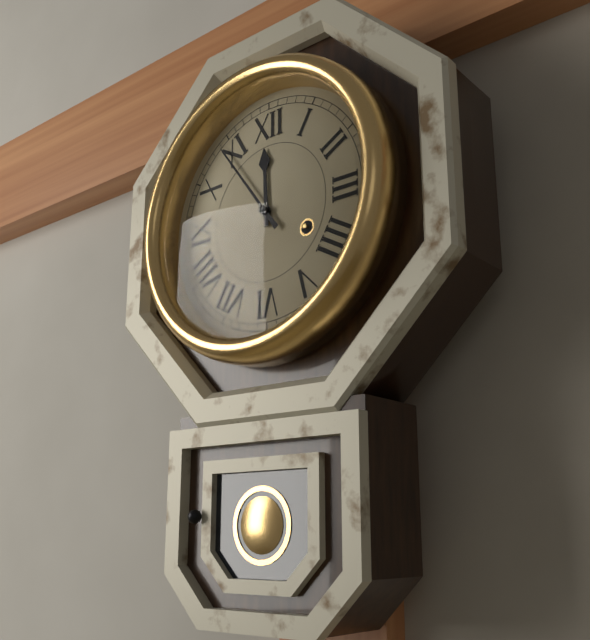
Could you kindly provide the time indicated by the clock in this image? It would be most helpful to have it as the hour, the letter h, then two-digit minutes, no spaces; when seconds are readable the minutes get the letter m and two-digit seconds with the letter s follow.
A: 11h54
